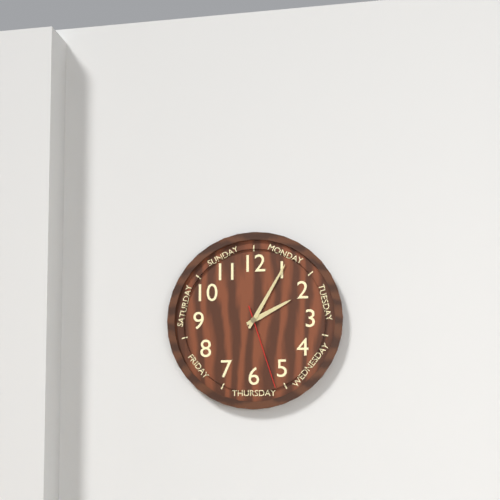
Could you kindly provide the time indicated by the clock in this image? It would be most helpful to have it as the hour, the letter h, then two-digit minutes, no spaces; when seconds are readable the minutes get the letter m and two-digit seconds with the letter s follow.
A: 2h05m27s
